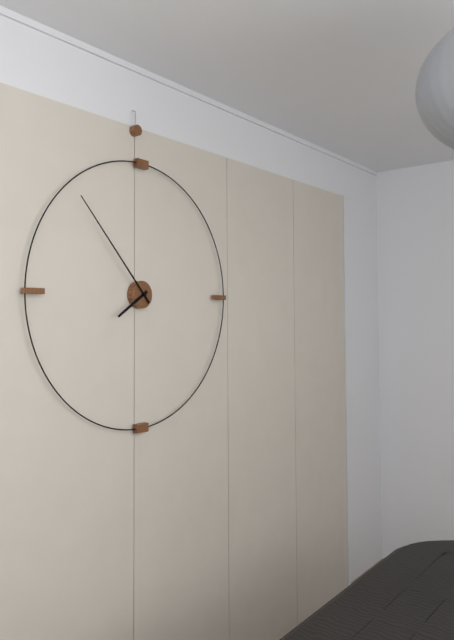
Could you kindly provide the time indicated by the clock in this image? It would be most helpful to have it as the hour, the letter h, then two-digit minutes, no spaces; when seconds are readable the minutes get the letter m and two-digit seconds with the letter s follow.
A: 7h53
